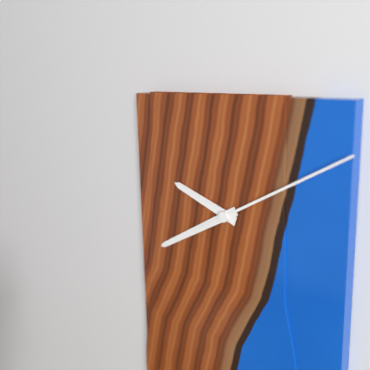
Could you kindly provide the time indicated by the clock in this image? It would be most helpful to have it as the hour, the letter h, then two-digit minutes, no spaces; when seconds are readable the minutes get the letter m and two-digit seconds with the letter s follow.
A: 9h40m10s
